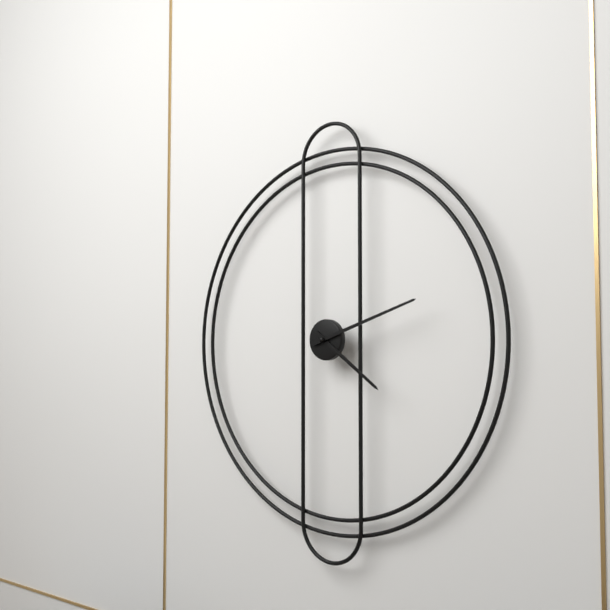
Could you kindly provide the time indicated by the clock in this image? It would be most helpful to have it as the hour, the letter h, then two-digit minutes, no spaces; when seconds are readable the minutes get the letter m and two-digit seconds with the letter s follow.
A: 4h12
